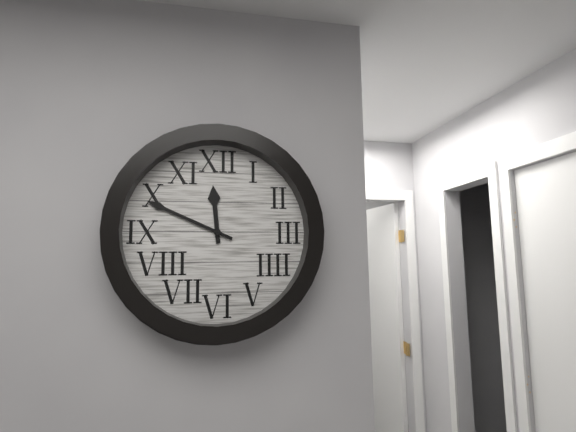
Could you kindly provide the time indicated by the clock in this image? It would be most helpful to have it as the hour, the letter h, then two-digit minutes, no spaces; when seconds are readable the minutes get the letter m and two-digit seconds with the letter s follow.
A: 11h49
